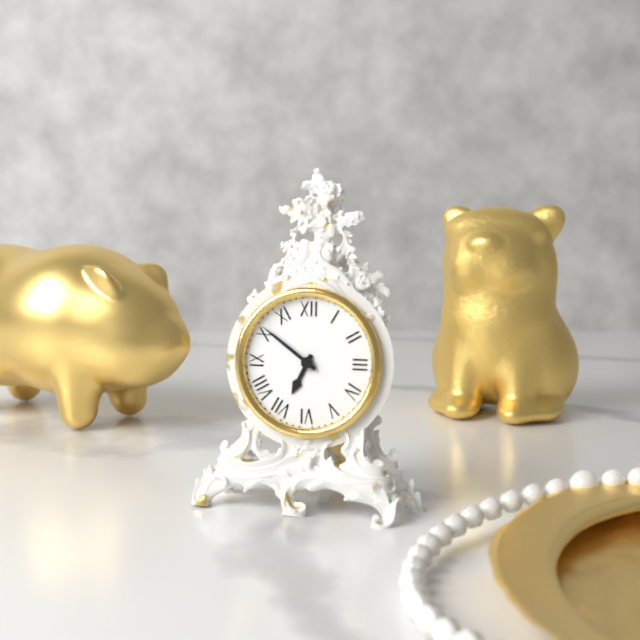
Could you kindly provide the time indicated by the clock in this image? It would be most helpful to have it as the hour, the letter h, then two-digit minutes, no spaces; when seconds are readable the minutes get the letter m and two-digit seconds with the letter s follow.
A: 6h51
